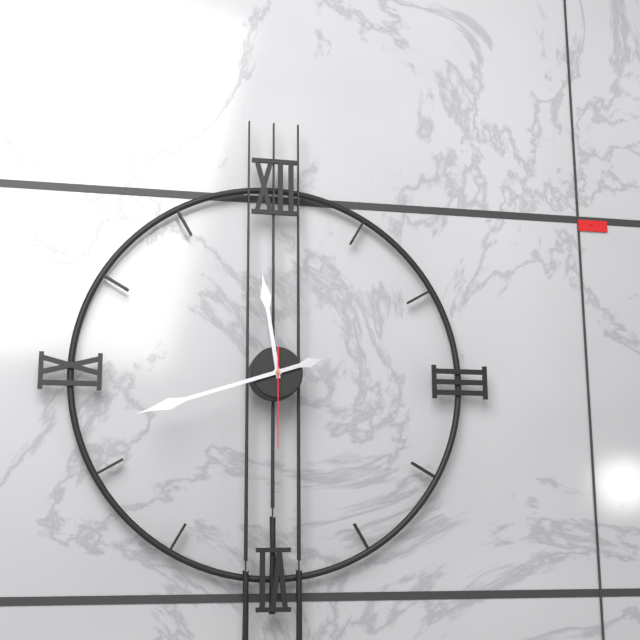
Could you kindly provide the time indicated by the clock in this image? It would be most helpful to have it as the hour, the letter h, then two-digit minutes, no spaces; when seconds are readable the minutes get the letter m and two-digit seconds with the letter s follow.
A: 11h42m30s
